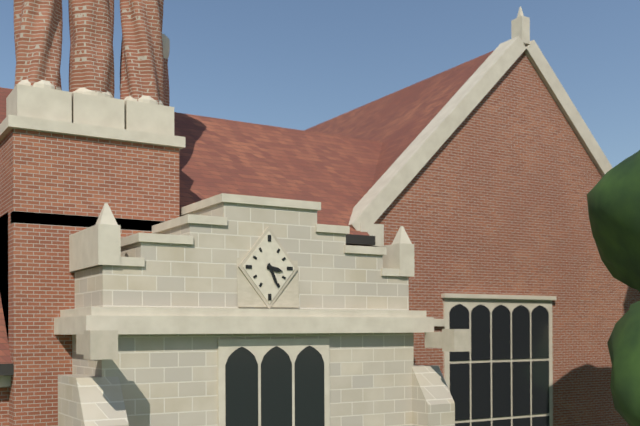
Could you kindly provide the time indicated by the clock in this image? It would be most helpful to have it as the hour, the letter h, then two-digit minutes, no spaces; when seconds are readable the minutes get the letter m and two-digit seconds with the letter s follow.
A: 3h26
